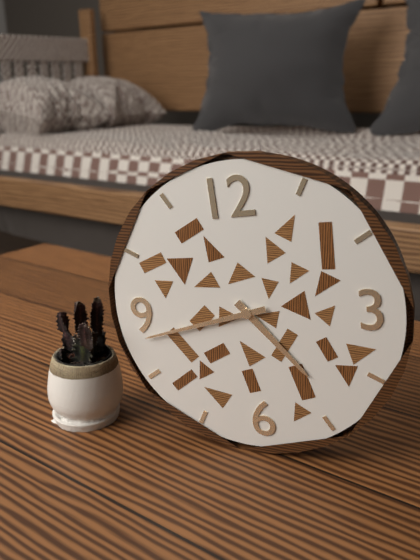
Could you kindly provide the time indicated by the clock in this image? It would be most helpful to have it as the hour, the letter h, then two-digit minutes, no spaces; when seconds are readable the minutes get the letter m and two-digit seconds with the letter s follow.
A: 4h43
